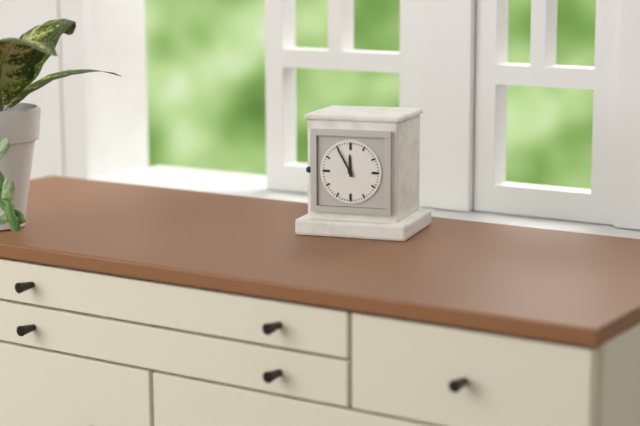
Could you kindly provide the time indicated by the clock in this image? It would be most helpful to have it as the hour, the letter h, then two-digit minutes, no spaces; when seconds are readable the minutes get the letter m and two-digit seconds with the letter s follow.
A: 11h55
